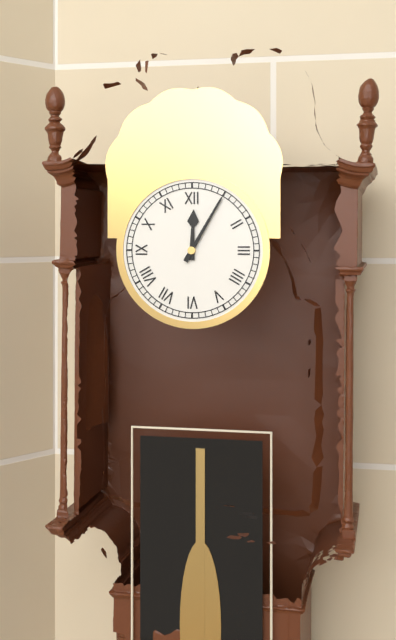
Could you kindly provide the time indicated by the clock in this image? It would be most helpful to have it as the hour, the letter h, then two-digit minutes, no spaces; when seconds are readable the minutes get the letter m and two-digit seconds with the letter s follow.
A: 12h05
